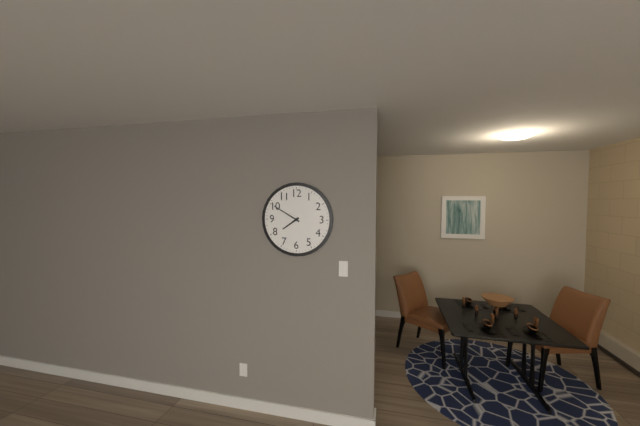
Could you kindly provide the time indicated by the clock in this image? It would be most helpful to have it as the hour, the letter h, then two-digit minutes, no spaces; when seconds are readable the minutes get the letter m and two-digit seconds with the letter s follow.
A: 7h50
